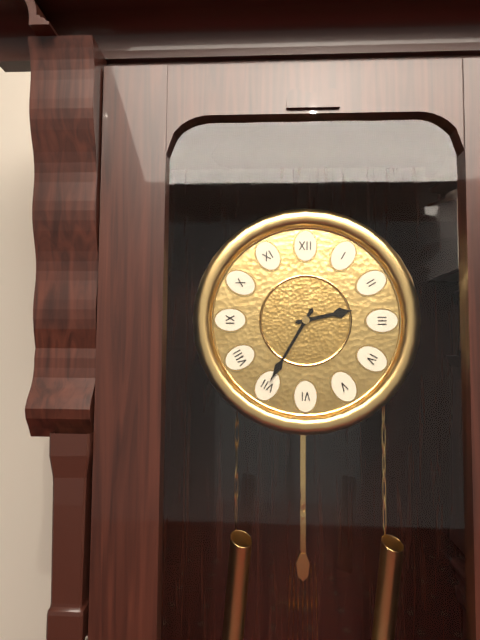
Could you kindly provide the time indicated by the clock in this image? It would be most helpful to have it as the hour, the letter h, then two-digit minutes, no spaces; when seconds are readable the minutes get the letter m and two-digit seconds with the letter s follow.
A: 2h35
